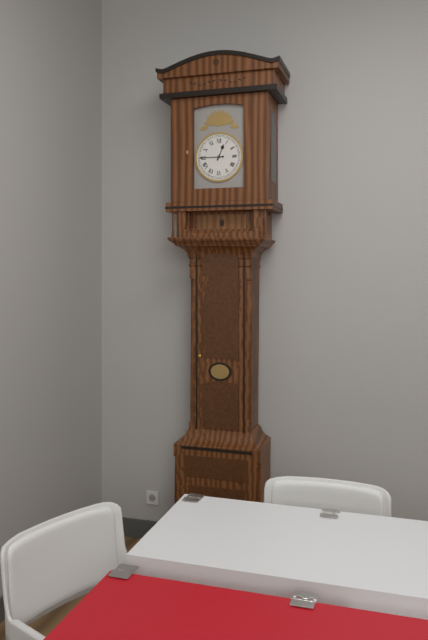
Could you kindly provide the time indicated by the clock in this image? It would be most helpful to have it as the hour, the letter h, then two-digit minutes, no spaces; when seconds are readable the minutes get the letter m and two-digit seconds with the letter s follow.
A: 12h45
